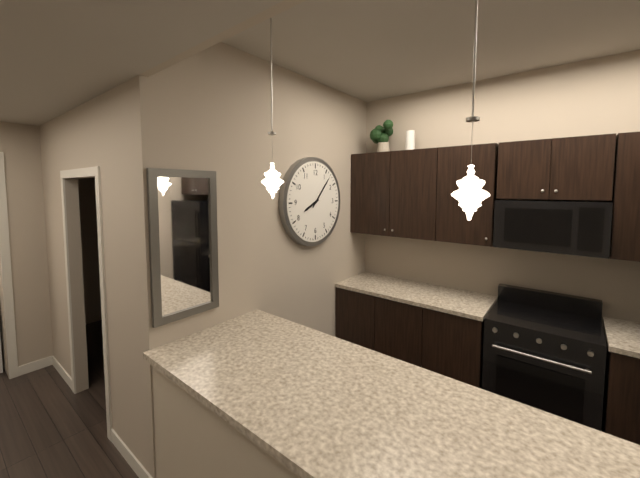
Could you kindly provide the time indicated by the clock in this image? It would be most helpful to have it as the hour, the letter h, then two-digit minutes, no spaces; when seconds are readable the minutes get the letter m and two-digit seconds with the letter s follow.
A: 8h07
